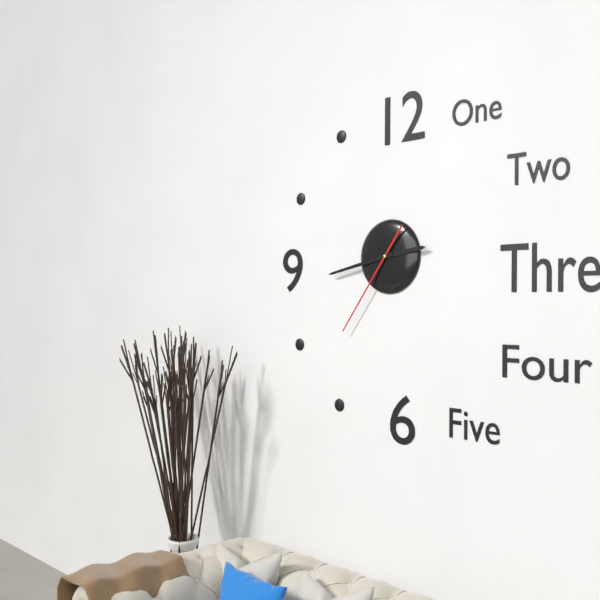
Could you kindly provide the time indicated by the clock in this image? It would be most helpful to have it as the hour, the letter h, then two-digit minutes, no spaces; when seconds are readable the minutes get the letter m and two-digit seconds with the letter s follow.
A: 2h43m36s
